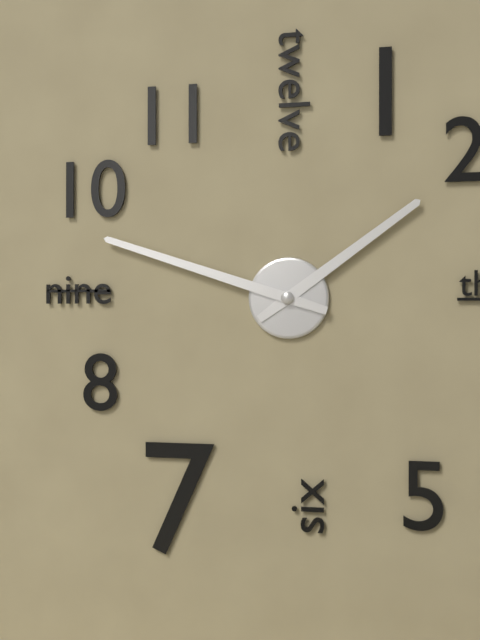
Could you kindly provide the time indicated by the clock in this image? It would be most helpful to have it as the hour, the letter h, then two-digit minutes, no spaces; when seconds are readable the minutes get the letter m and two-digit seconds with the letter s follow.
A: 1h48
